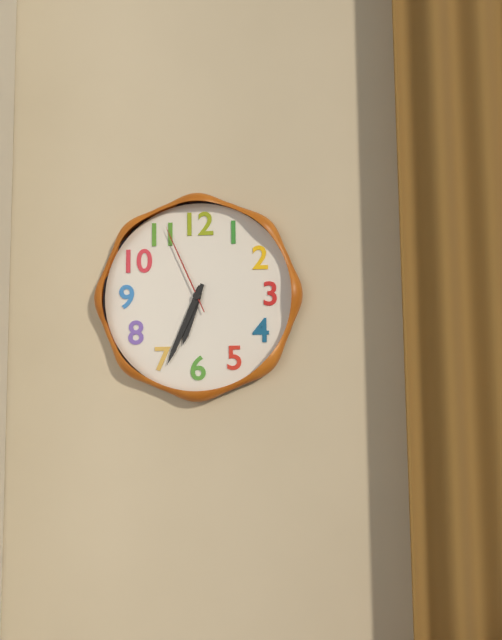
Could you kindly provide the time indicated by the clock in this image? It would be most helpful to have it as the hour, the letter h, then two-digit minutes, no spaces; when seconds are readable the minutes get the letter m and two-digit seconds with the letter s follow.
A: 6h34m56s
